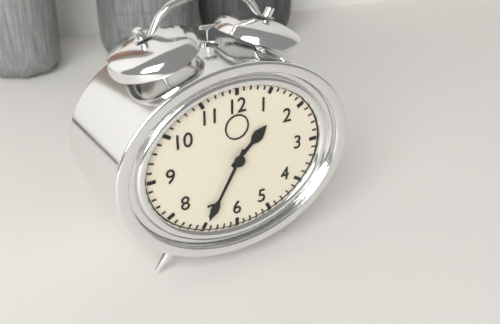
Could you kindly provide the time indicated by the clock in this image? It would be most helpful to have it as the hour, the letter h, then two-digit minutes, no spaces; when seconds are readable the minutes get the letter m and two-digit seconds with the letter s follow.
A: 1h35
